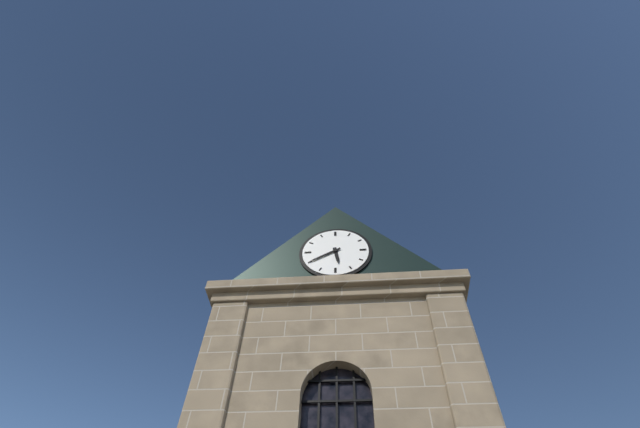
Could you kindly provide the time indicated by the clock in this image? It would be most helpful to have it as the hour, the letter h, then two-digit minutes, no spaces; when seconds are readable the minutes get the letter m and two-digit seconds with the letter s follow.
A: 5h40
